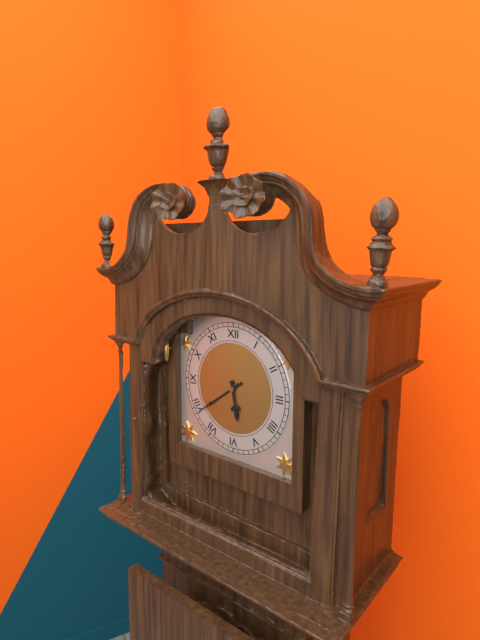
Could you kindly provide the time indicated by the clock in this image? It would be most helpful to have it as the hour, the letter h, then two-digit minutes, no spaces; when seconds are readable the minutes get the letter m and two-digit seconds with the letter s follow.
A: 5h39
